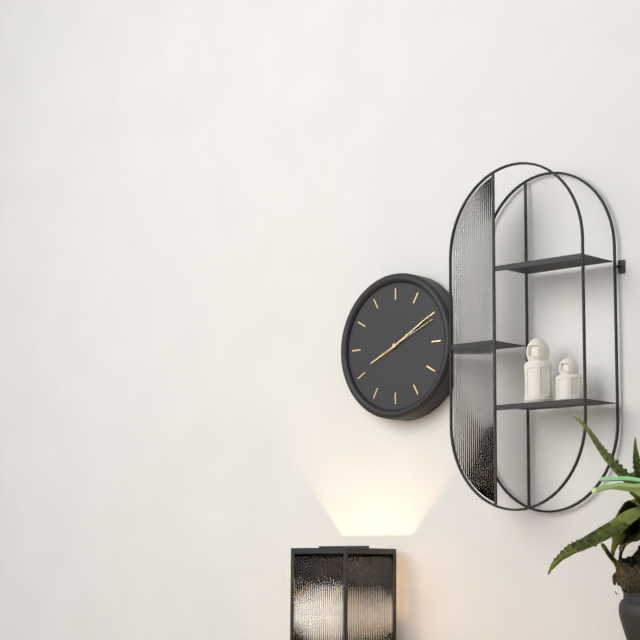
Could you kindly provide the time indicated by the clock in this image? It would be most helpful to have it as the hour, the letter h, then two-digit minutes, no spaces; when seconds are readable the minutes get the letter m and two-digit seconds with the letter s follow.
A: 8h10
